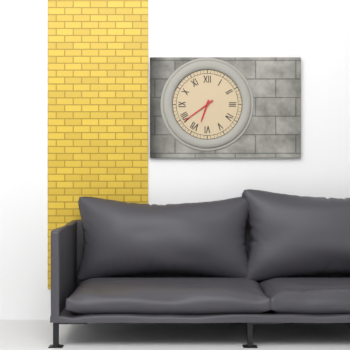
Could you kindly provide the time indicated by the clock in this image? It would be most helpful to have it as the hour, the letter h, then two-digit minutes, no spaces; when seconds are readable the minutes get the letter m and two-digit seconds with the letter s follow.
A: 6h39
